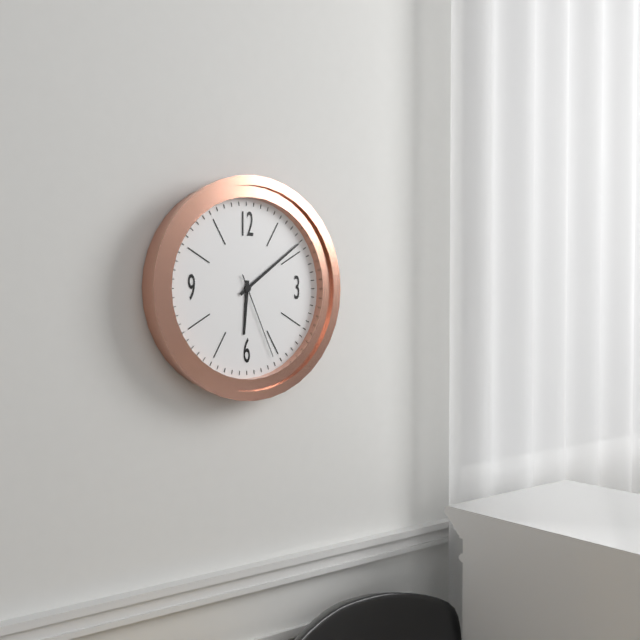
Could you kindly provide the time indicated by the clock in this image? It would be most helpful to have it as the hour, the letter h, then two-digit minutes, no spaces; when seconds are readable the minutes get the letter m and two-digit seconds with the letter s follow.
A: 6h09m26s
